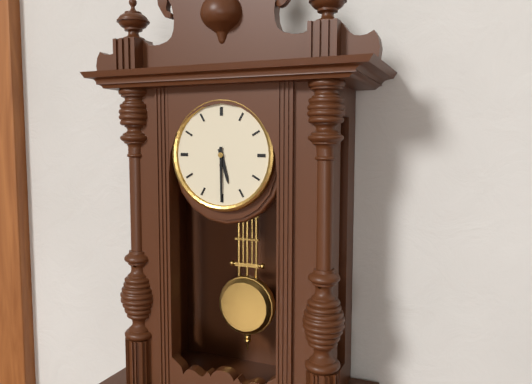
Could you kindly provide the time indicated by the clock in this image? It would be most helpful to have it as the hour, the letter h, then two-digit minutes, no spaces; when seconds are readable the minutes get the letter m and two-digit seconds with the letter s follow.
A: 5h30
